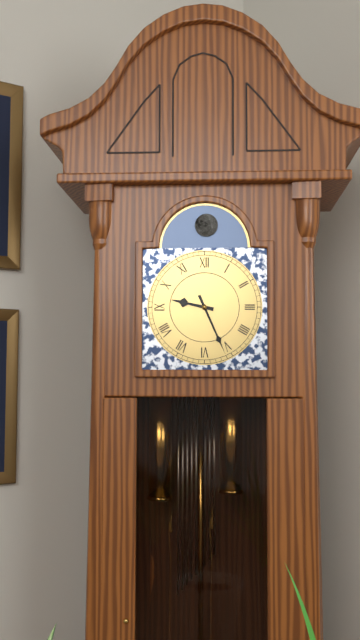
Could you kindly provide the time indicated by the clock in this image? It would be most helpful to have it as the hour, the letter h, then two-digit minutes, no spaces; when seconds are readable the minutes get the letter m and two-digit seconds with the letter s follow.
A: 9h26
